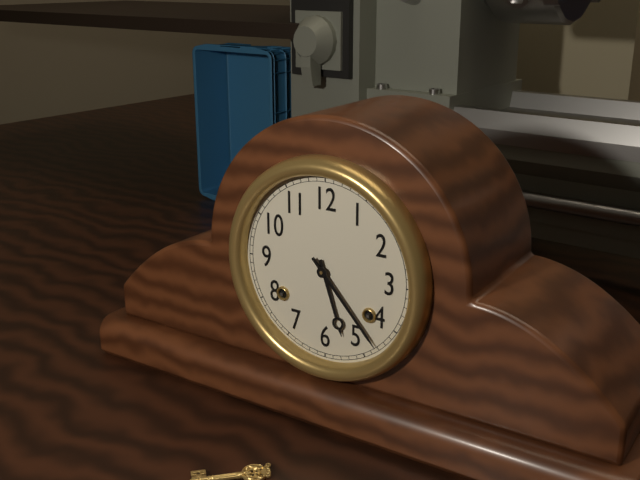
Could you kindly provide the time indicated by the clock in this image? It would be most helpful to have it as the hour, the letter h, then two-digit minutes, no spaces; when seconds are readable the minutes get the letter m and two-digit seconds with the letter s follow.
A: 5h23
